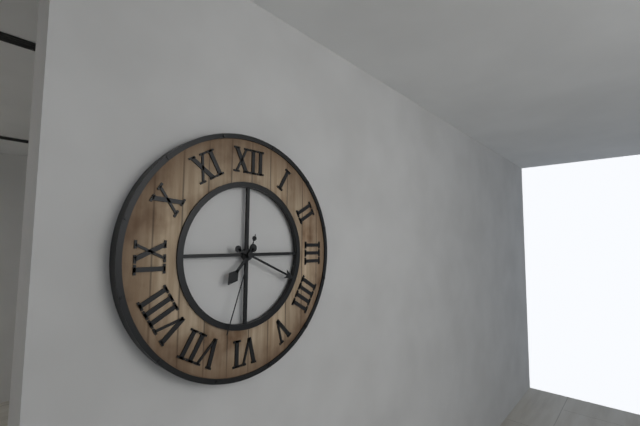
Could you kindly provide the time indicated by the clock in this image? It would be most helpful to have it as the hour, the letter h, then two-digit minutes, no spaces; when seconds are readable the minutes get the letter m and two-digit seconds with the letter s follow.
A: 7h19m33s
